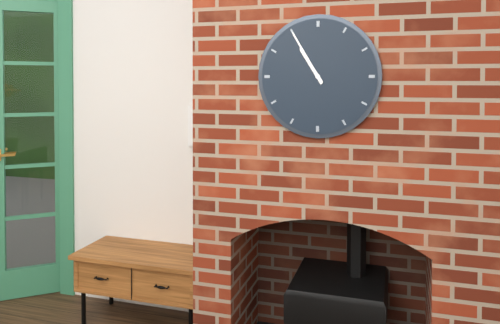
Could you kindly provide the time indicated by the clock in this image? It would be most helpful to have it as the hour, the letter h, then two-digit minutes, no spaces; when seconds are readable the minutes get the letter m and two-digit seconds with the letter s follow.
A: 10h55
